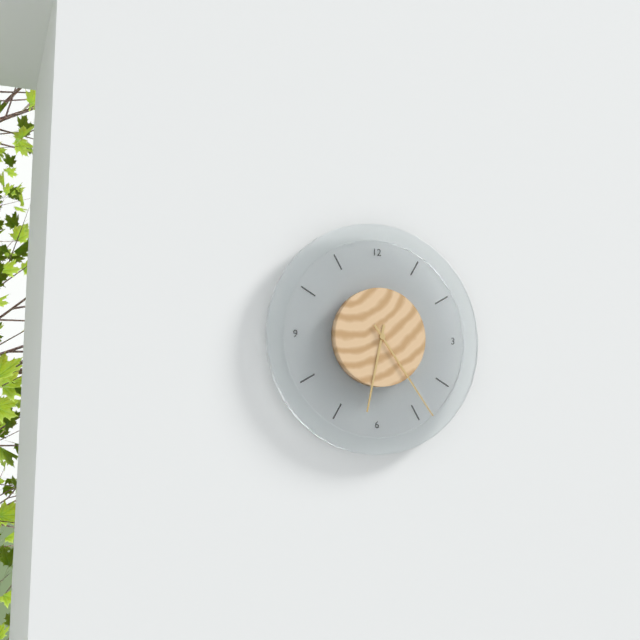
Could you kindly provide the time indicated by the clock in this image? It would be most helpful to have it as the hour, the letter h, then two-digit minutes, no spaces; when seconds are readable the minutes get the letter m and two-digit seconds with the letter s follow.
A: 6h24
